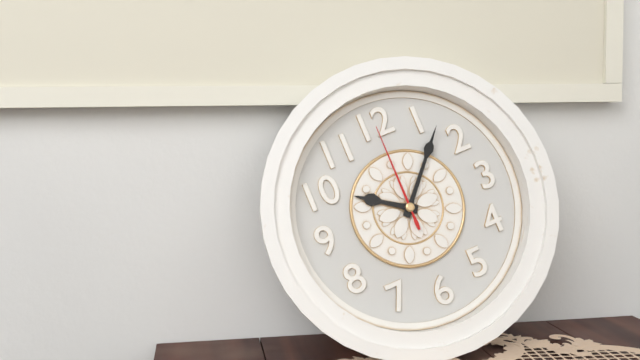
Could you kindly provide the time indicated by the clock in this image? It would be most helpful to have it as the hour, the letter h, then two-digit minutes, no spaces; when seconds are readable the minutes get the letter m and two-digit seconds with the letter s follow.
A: 10h07m00s
